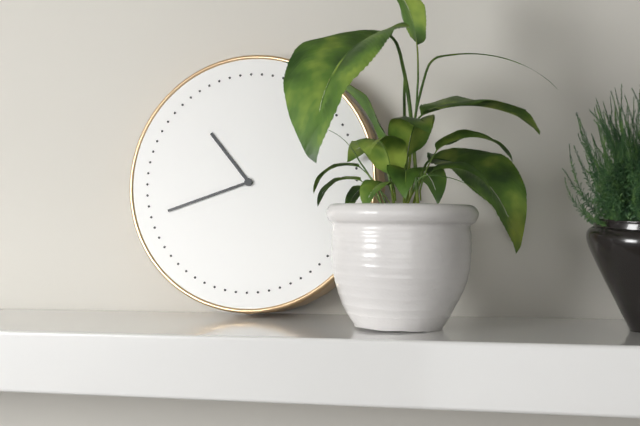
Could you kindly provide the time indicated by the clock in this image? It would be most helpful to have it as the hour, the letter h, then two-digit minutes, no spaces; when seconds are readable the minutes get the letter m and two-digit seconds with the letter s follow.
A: 10h42
